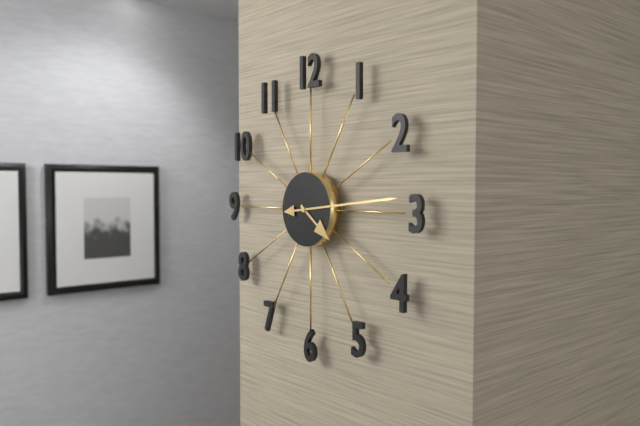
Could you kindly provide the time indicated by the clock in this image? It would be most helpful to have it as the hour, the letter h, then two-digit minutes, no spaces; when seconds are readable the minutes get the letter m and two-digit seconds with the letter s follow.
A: 4h14
